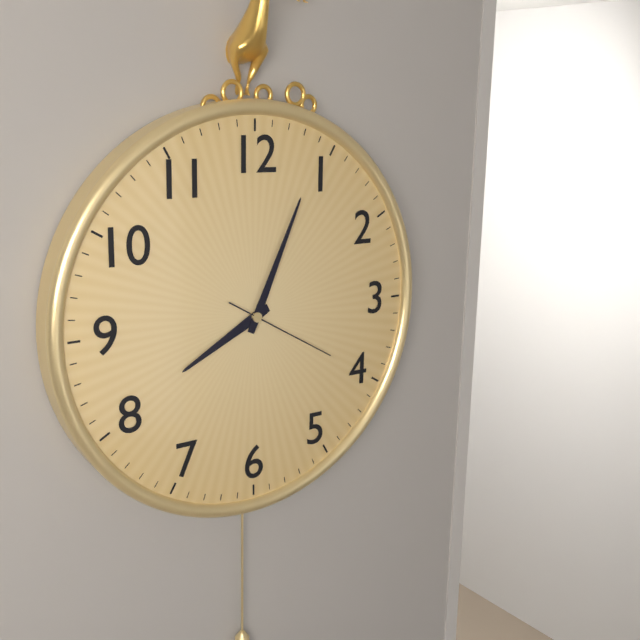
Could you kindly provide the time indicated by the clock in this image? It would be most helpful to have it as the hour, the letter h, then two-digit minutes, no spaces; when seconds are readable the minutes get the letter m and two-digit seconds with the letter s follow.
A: 8h04m20s
